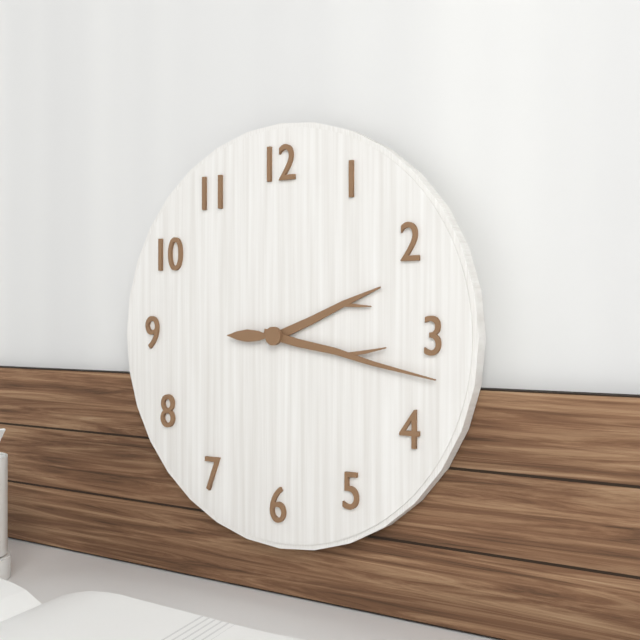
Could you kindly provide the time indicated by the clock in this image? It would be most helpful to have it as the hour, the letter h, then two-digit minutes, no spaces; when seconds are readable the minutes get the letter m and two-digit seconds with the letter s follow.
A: 2h17m45s
